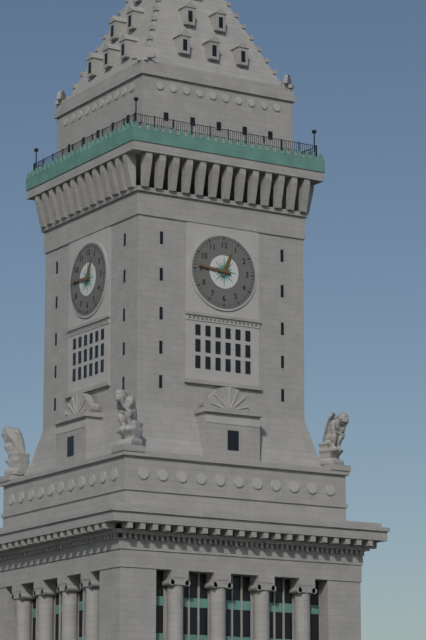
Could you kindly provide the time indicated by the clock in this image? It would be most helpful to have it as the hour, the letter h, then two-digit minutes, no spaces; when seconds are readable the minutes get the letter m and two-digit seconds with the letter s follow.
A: 12h46
